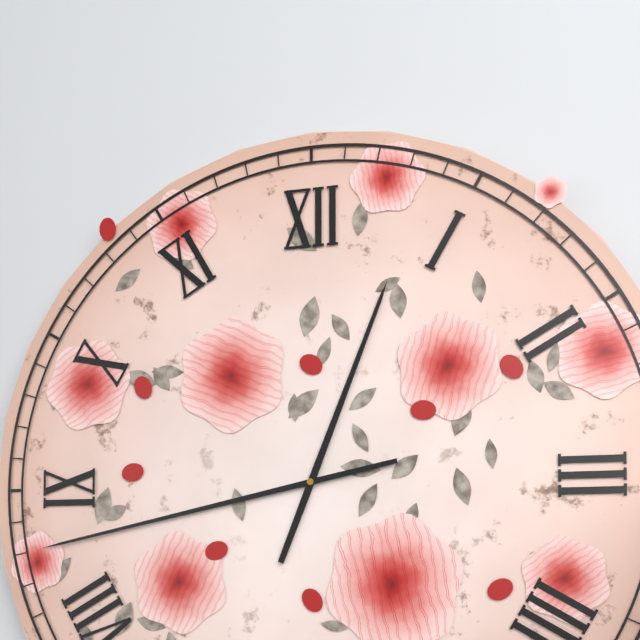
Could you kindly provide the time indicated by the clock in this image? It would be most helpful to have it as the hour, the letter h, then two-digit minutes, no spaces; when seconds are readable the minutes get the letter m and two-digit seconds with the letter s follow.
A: 12h43
